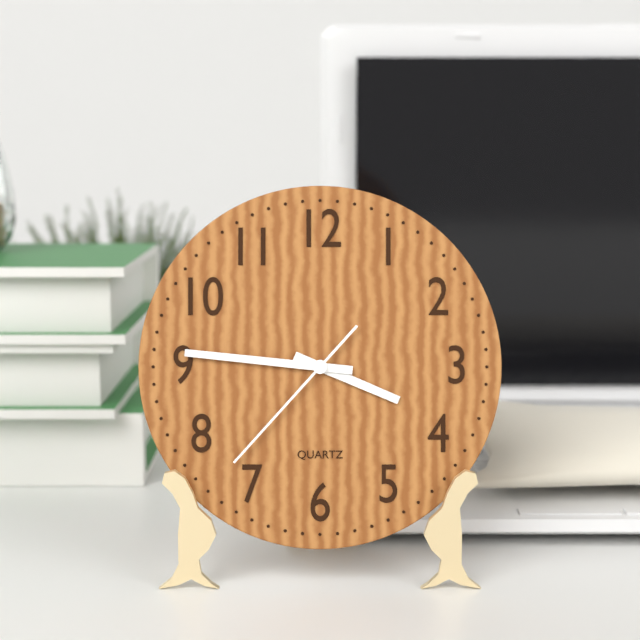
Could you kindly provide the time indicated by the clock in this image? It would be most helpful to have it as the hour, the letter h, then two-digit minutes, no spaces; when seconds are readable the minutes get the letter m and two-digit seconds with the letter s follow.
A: 3h46m37s
